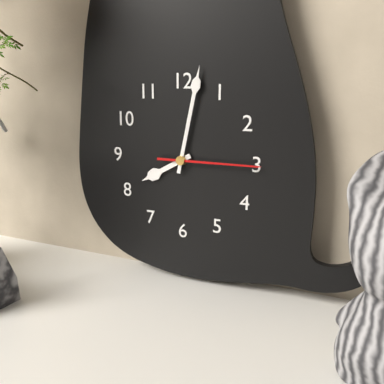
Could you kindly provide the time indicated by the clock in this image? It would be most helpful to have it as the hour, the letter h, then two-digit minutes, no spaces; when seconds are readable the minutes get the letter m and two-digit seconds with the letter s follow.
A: 8h02m15s
